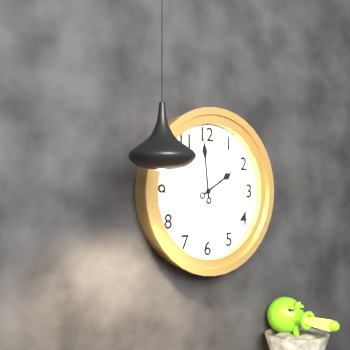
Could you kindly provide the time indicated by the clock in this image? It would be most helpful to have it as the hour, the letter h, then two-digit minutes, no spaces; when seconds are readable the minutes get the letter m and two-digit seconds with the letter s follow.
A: 1h59
